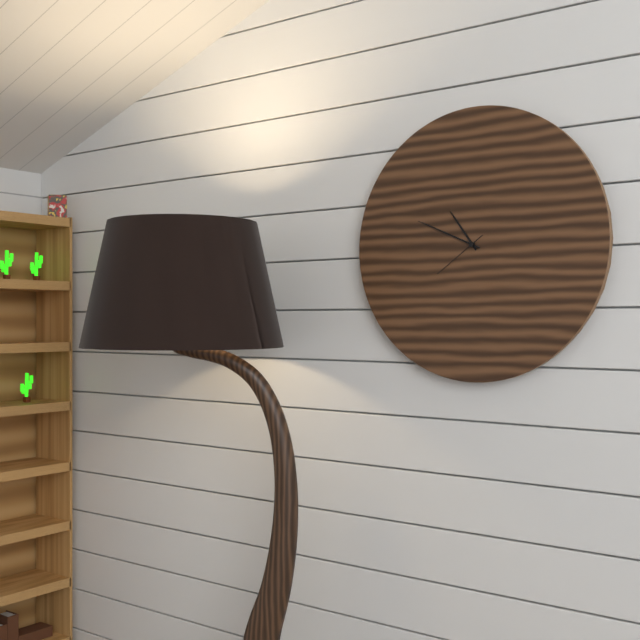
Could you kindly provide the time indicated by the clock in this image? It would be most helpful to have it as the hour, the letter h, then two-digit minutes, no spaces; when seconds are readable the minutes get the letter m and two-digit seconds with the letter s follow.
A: 10h49m39s
